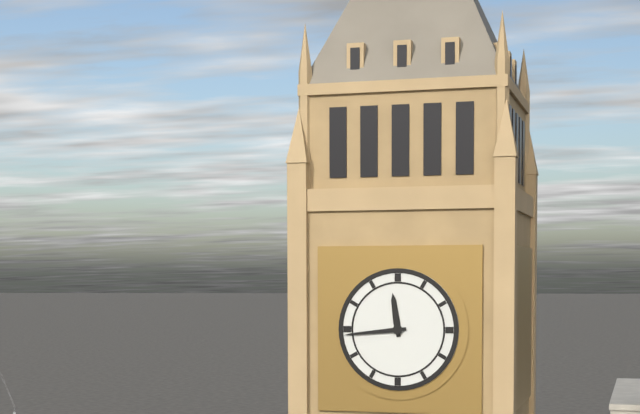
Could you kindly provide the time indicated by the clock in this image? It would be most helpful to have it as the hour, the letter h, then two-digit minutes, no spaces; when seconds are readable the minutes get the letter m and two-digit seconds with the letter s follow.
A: 11h44
